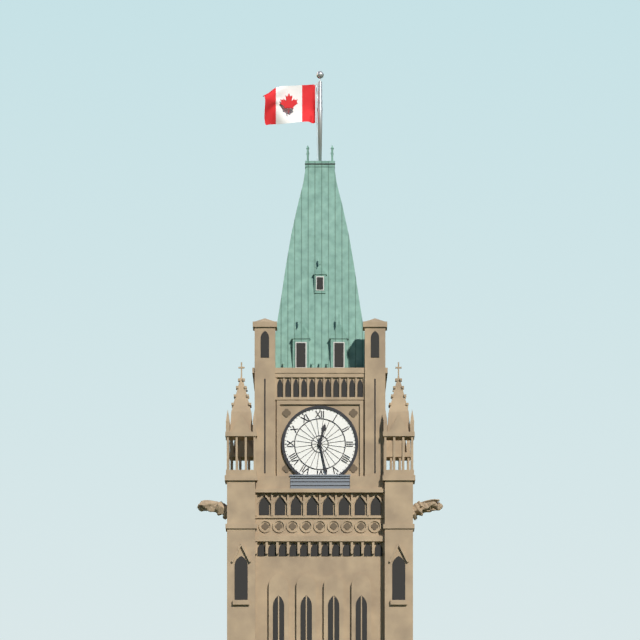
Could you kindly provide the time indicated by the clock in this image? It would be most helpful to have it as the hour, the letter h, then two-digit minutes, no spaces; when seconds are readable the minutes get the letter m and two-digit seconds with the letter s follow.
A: 12h28
